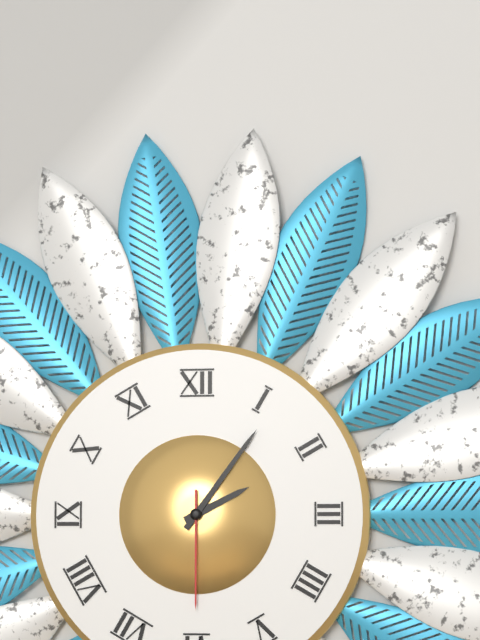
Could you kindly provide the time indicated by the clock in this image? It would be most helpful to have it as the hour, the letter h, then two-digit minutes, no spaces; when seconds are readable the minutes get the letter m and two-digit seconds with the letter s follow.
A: 2h06m30s
